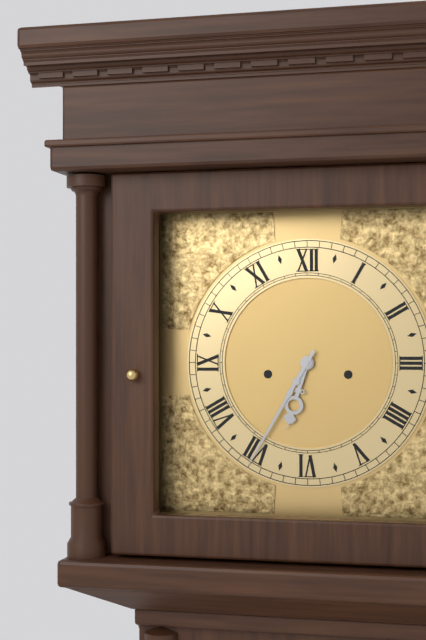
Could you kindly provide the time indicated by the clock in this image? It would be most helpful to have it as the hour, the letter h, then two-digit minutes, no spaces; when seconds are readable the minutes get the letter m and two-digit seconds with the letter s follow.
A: 6h35
